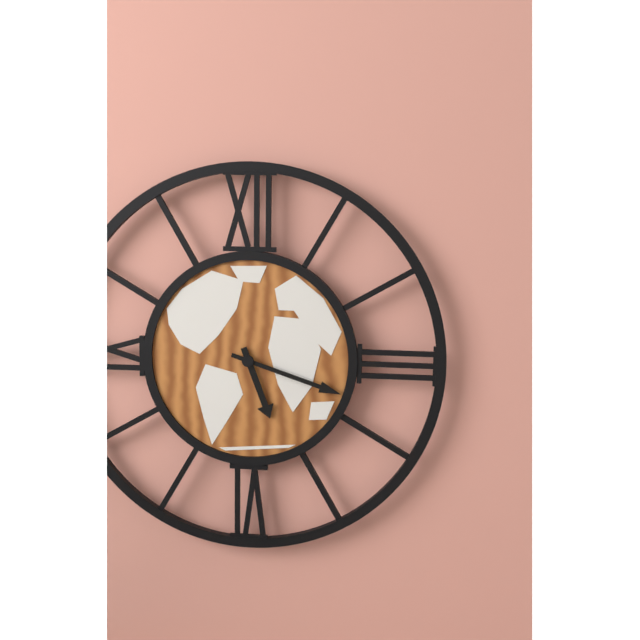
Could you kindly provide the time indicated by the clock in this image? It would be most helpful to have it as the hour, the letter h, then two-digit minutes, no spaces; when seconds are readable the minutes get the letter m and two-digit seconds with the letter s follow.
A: 5h18
